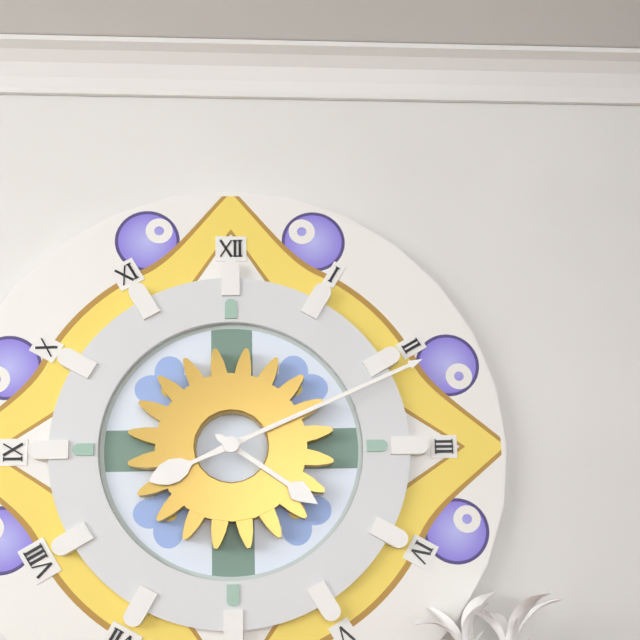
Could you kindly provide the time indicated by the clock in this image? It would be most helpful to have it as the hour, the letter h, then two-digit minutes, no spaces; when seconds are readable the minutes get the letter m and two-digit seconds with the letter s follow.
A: 4h11
